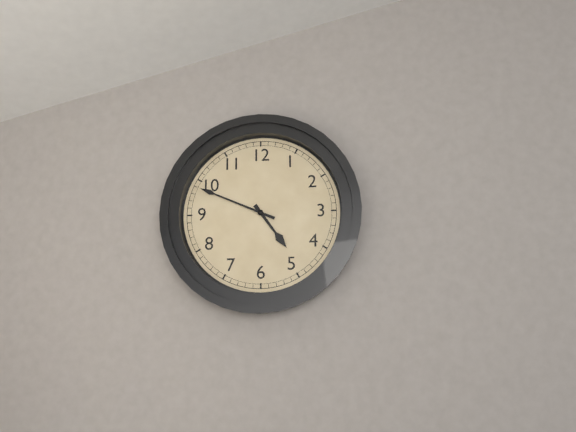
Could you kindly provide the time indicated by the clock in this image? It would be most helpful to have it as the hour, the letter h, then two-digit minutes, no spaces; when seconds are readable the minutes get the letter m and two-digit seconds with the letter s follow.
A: 4h49
